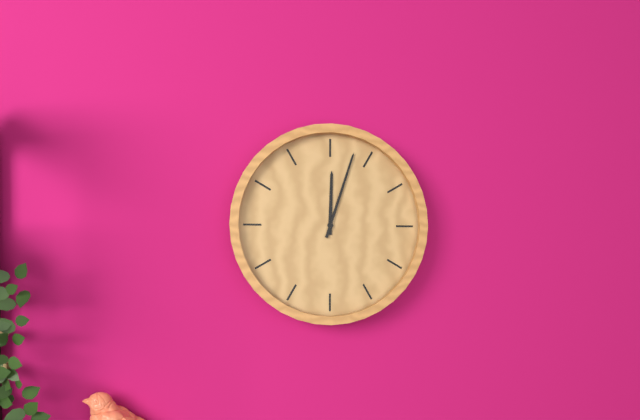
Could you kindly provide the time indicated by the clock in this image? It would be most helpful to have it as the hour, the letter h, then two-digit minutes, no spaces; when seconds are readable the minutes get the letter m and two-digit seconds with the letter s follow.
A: 12h03
